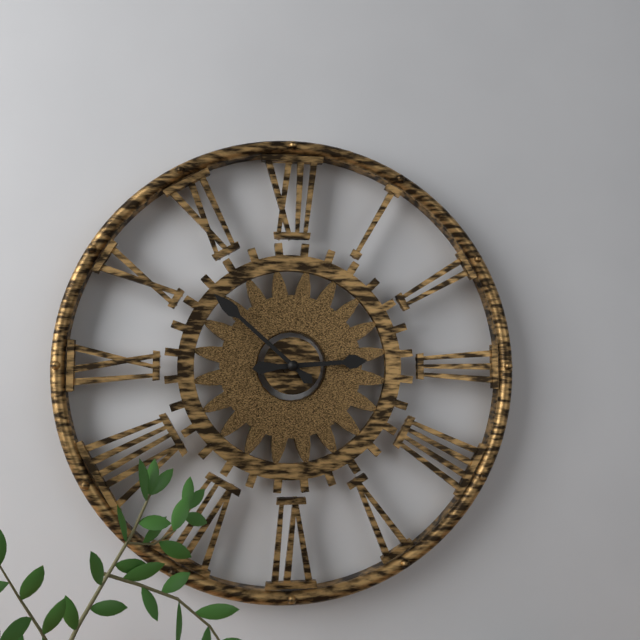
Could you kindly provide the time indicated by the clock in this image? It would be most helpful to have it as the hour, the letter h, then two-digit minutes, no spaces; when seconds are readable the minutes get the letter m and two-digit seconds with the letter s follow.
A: 2h52
